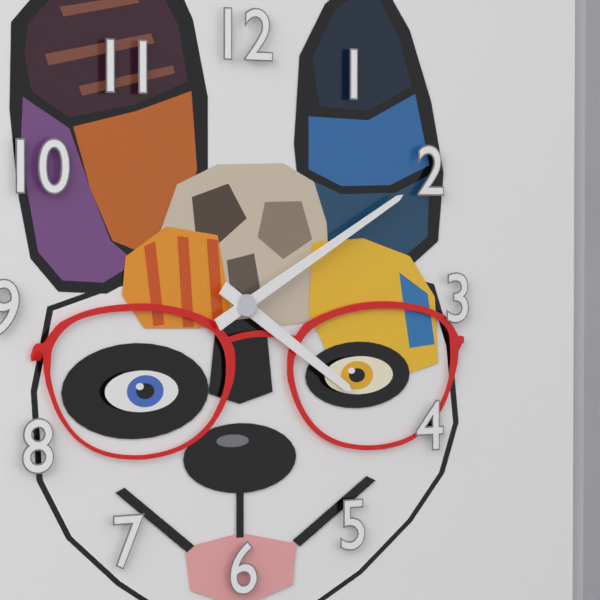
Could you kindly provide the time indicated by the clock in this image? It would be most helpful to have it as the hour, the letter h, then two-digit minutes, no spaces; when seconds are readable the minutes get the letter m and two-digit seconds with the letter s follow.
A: 4h10
